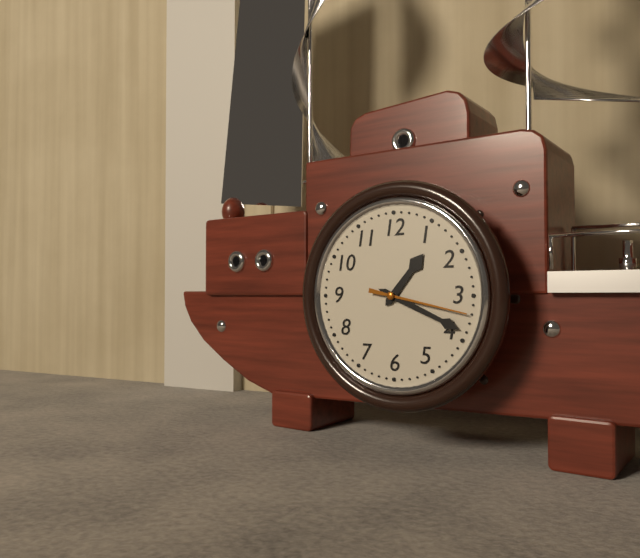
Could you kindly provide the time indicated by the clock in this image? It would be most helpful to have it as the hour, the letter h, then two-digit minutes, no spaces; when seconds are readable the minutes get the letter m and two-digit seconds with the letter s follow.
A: 1h19m17s
